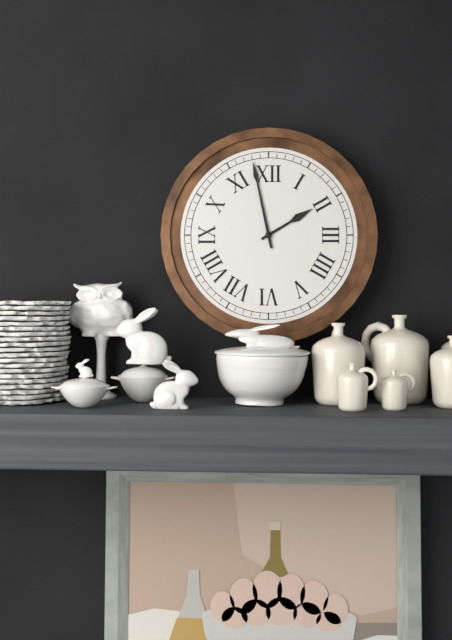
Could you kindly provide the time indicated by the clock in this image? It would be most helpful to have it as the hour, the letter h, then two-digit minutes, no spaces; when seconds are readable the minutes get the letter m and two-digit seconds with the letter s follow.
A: 1h58
